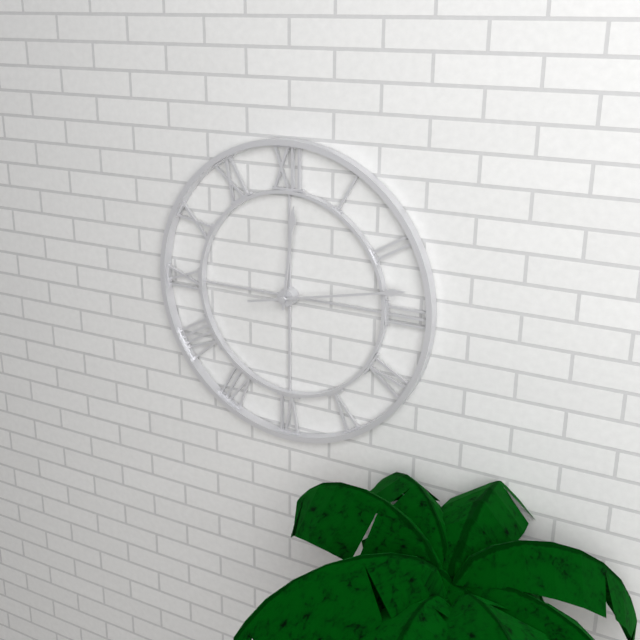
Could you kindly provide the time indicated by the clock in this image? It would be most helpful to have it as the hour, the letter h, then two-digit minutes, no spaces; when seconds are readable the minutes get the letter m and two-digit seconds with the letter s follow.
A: 12h13
